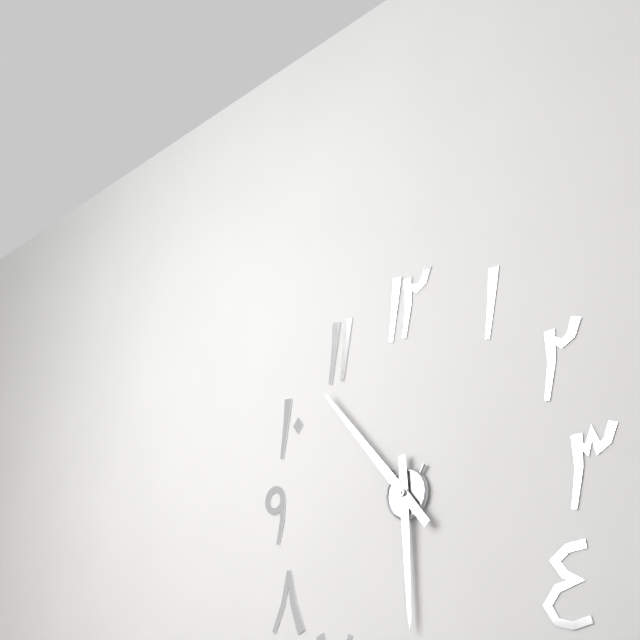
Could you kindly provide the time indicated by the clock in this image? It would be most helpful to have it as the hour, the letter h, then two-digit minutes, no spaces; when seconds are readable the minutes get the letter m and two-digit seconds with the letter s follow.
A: 5h53
